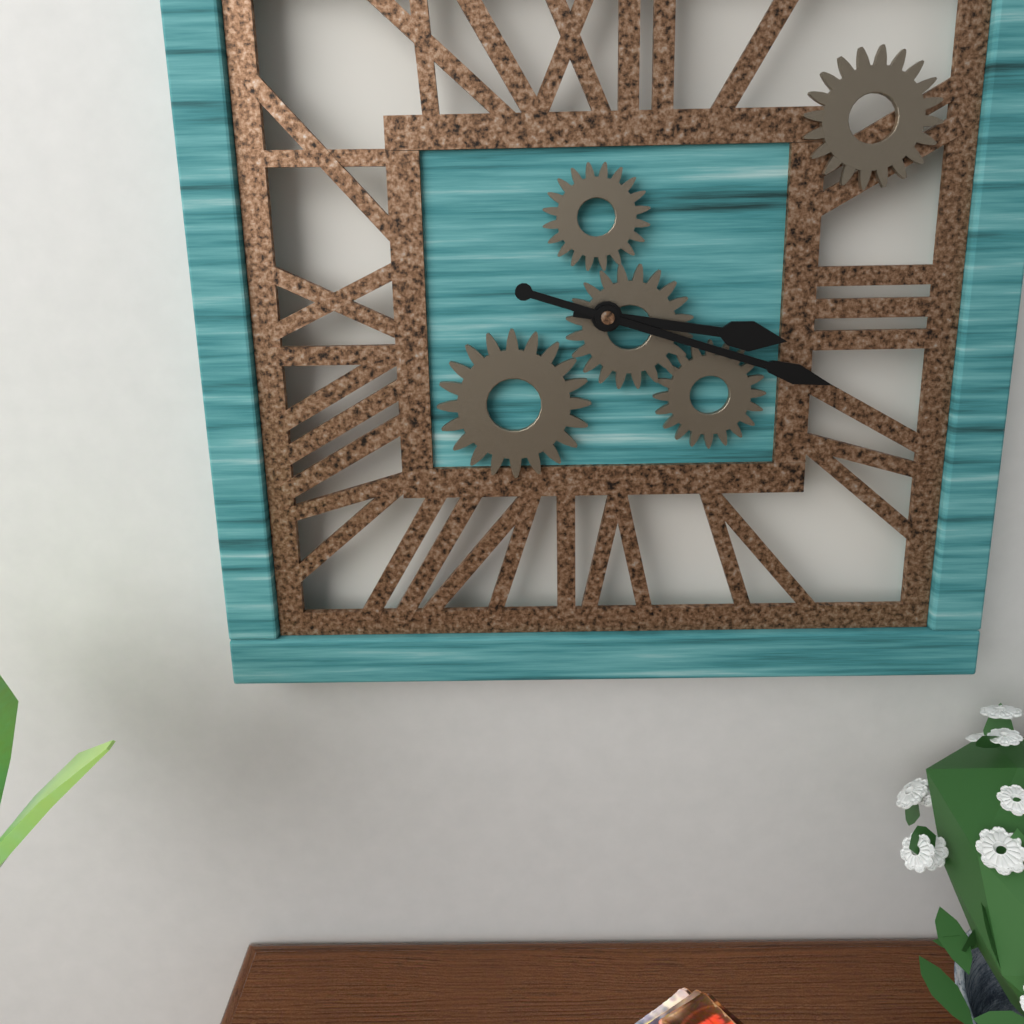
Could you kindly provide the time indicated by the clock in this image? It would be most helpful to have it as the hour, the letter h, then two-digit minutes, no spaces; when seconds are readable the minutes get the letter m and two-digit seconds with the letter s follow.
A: 3h18
